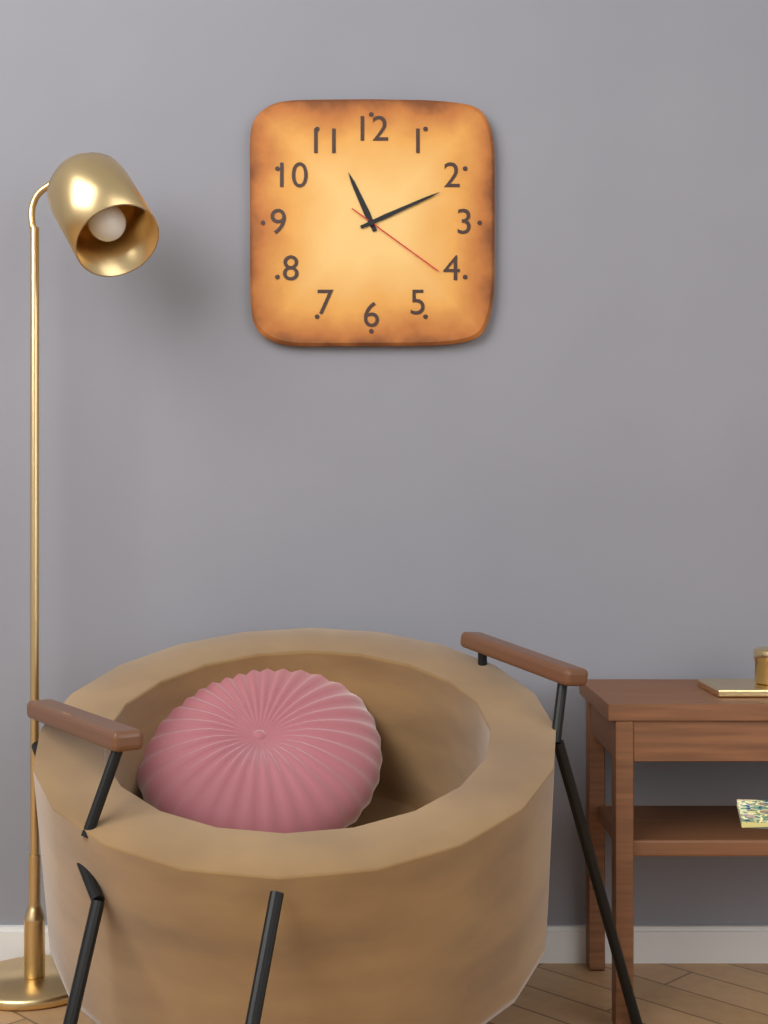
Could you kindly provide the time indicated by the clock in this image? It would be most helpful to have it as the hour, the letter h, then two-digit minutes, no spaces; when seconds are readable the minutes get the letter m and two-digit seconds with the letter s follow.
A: 11h11m21s
